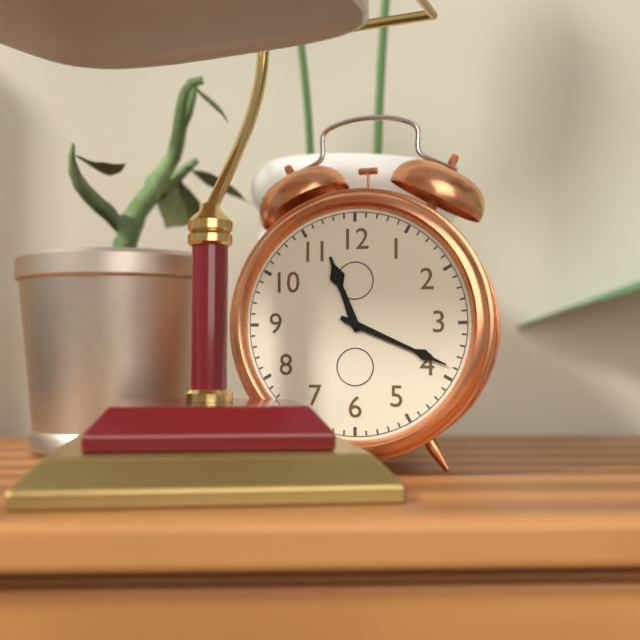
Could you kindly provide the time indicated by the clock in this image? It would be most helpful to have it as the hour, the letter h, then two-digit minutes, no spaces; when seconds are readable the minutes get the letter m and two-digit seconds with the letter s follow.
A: 11h19
